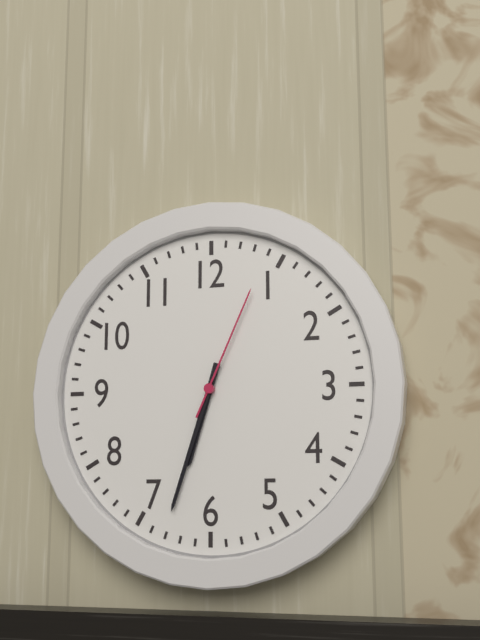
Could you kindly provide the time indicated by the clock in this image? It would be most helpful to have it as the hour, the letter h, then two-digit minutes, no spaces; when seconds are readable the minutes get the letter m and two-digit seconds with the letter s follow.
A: 6h33m04s
